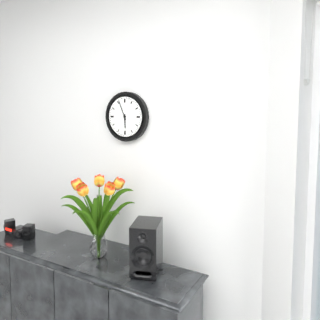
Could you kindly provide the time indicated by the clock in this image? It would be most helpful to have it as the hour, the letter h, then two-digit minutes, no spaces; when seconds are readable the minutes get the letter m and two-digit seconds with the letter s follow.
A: 5h56
